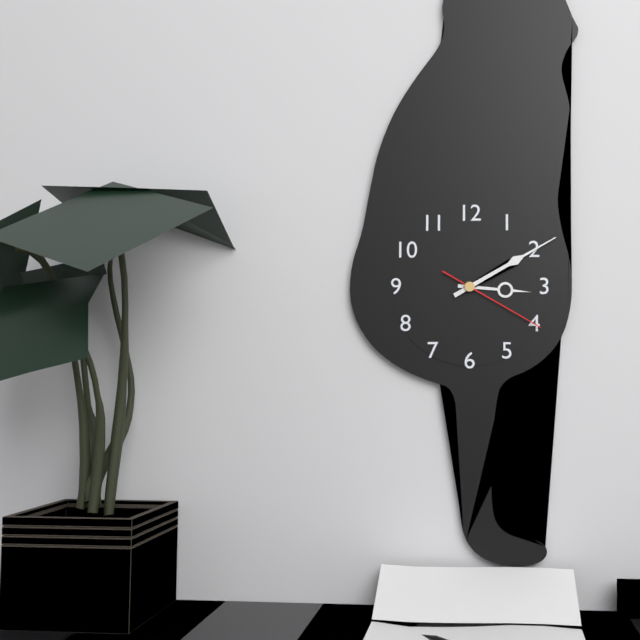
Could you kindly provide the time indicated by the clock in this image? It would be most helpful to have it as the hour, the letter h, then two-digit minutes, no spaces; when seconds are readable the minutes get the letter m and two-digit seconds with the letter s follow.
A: 3h10m20s
